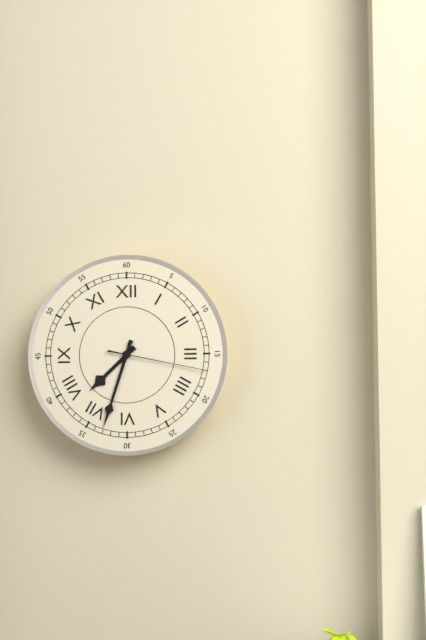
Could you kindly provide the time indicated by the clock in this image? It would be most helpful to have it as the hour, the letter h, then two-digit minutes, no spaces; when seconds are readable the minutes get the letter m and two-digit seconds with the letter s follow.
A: 7h33m17s
